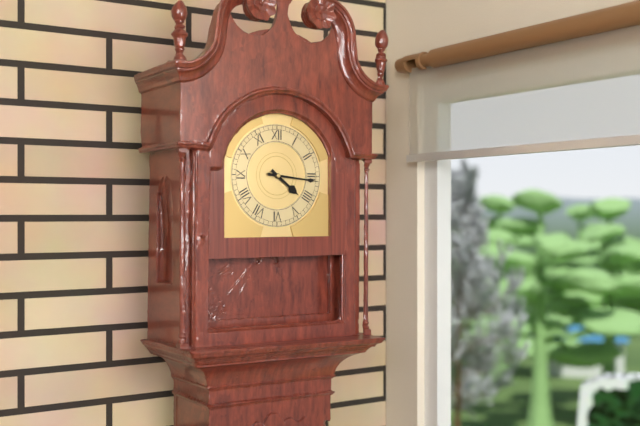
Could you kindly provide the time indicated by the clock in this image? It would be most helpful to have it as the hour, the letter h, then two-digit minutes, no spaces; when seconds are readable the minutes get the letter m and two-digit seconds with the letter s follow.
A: 4h16
